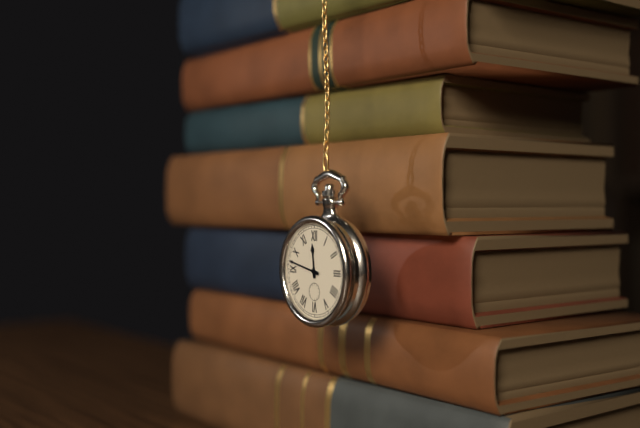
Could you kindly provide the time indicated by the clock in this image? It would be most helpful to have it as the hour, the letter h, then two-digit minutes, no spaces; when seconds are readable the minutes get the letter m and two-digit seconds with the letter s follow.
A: 11h47
